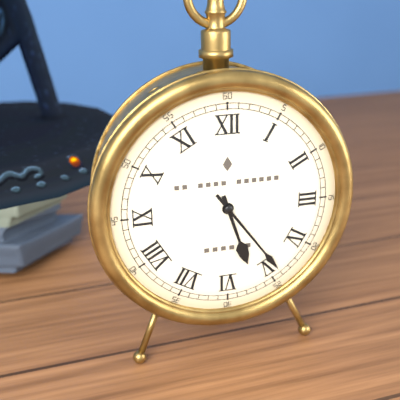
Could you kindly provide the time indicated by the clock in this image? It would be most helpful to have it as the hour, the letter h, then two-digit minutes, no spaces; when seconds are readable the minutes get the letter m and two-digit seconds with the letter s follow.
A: 5h24
